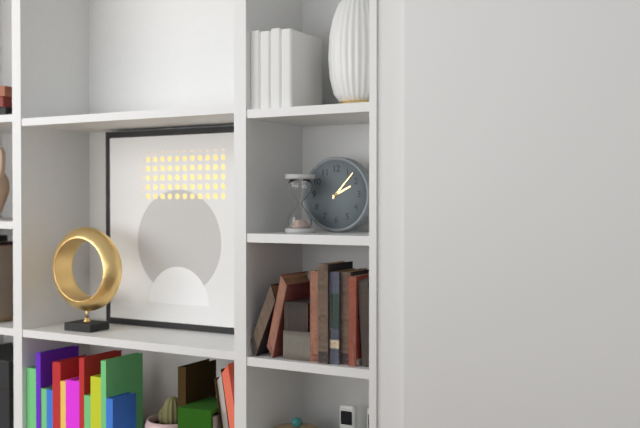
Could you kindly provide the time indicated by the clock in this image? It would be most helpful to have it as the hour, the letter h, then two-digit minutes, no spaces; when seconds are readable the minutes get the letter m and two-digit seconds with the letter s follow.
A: 2h07
